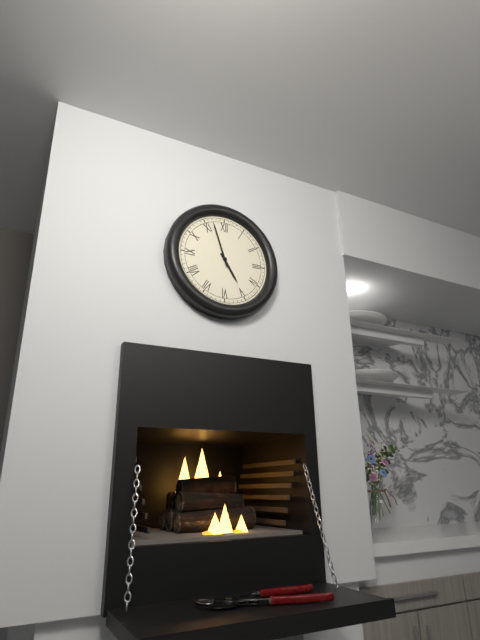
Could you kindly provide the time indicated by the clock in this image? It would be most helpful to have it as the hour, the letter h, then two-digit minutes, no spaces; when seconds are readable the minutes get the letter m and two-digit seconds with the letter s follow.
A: 4h57
